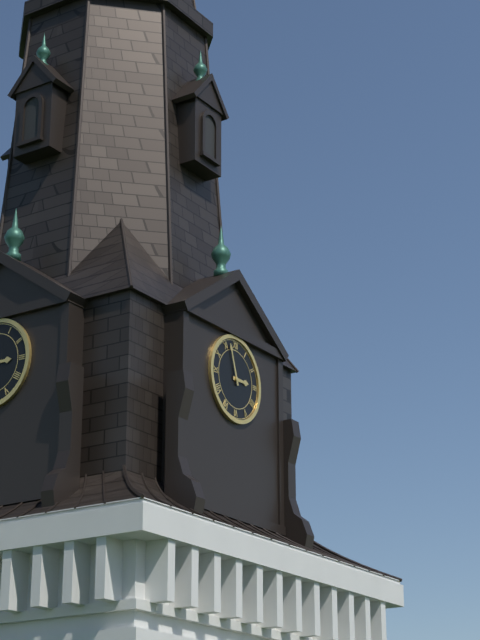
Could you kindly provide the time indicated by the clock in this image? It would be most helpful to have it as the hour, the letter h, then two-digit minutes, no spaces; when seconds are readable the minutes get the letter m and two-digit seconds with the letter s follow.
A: 2h57
